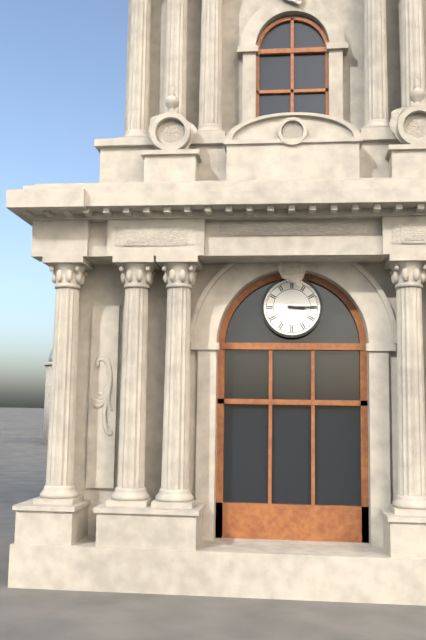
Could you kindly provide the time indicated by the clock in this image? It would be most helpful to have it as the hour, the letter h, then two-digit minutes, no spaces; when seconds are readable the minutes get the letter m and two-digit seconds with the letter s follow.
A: 3h15
